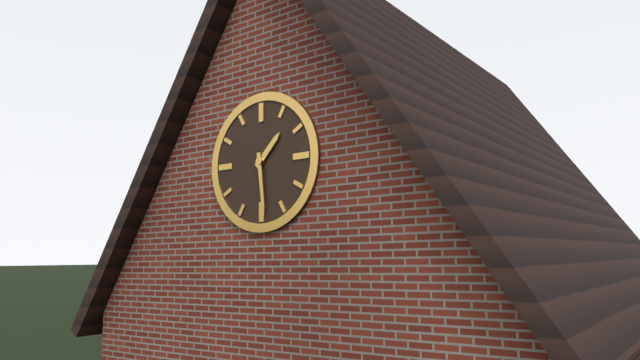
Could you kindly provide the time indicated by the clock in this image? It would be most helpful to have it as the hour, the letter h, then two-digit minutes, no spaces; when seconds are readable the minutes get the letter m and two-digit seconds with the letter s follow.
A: 1h29
